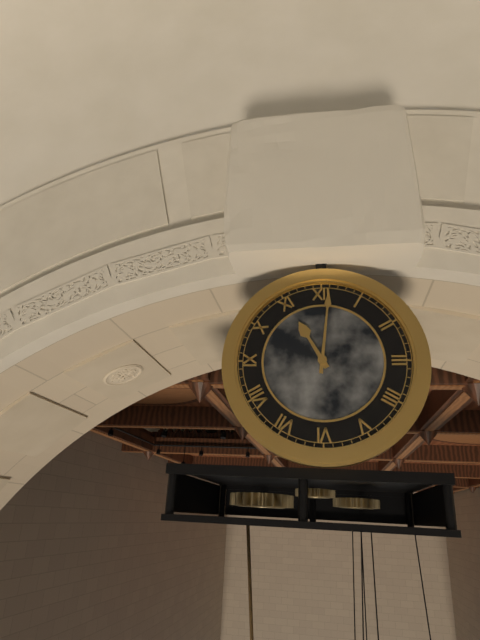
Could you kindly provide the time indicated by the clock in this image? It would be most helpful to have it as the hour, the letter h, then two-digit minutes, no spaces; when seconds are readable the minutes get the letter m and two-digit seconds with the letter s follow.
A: 11h01
